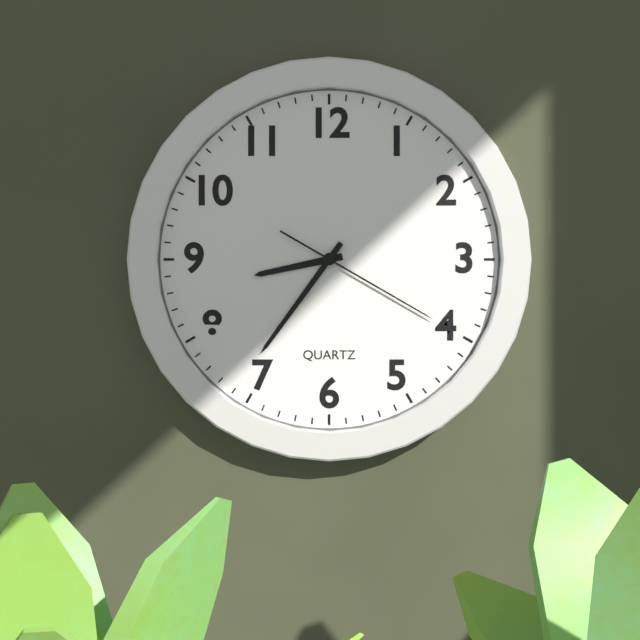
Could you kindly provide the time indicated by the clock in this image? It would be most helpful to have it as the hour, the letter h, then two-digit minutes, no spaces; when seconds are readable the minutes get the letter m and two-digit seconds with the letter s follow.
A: 8h36m20s
